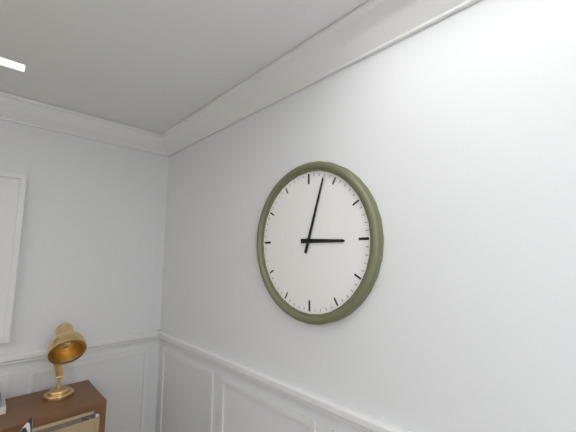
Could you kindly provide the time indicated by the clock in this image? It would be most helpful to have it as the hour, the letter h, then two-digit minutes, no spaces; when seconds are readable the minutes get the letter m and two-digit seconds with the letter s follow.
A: 3h03
